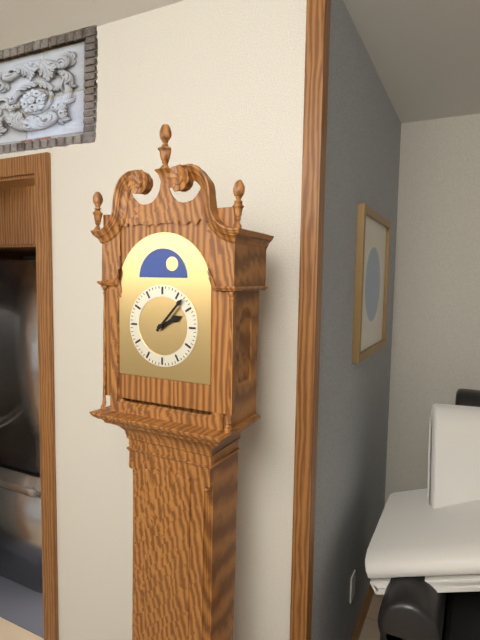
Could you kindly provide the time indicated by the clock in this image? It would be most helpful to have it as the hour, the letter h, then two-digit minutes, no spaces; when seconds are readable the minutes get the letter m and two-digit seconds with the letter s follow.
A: 2h07
